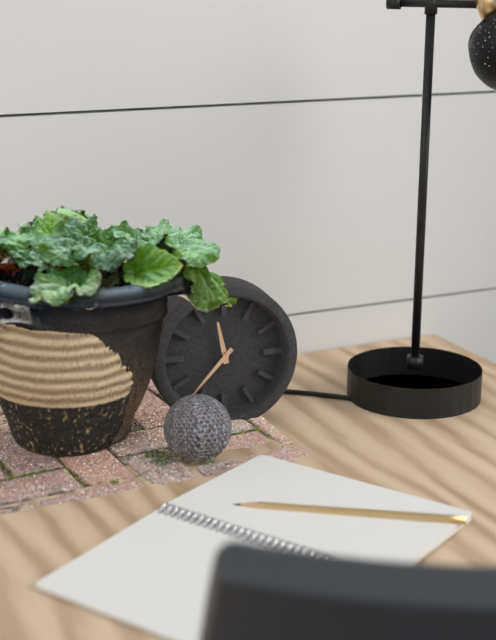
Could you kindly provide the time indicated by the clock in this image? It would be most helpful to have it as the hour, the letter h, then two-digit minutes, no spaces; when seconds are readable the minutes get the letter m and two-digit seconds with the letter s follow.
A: 11h37
